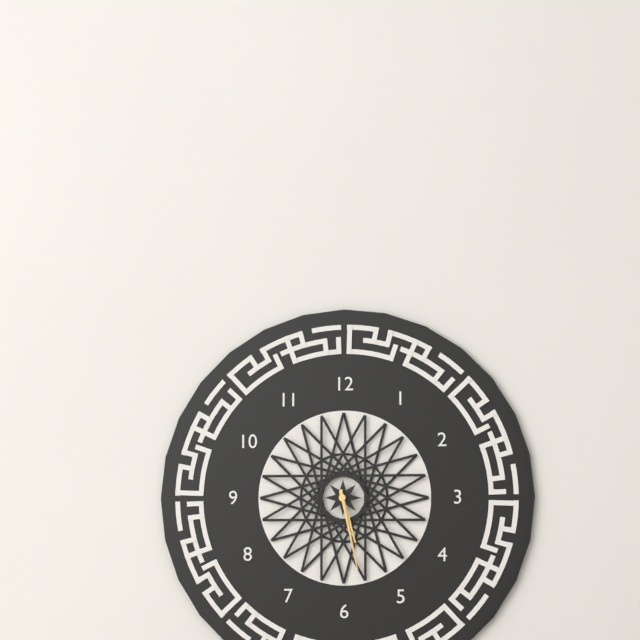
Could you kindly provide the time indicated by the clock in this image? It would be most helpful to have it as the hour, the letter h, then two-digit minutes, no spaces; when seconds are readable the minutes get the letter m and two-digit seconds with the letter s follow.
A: 5h28
